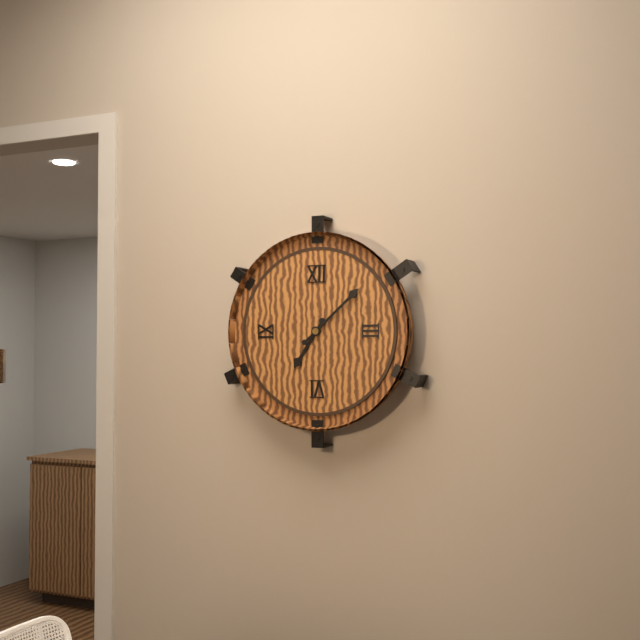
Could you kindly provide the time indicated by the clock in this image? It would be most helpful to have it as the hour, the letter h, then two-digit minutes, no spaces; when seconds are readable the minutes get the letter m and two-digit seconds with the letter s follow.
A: 7h08
